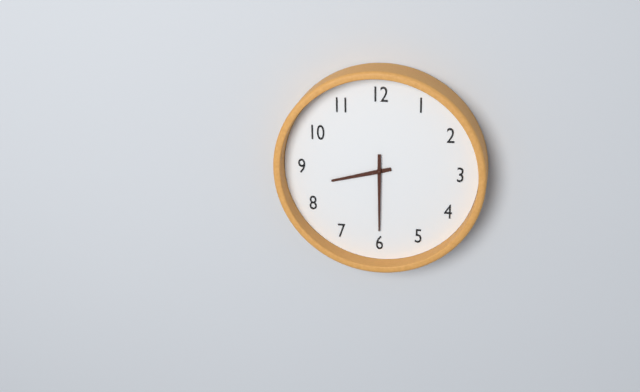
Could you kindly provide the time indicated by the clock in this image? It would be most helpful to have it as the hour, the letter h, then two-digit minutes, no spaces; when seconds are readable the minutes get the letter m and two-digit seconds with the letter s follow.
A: 8h30
